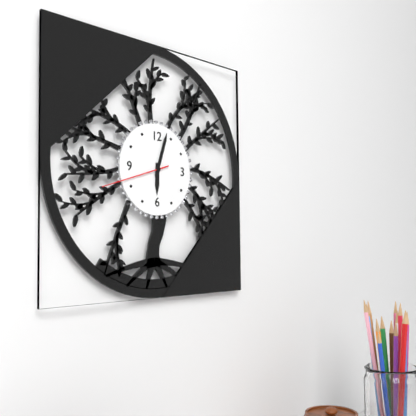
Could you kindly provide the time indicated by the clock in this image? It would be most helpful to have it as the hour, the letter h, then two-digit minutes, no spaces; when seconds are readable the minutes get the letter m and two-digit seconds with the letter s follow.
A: 6h03m42s
